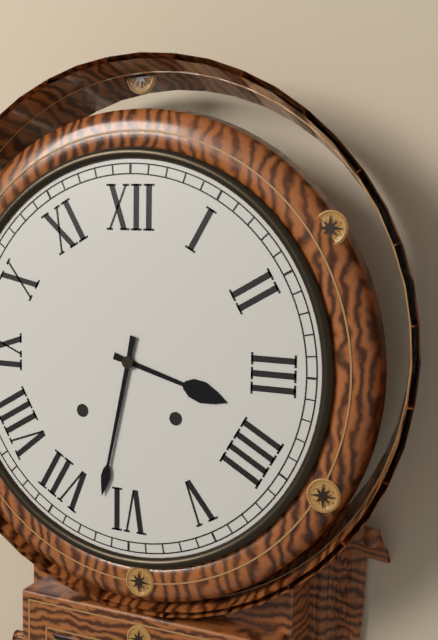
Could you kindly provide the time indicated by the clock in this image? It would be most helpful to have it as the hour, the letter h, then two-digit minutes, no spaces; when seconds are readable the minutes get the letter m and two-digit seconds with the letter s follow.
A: 3h32
